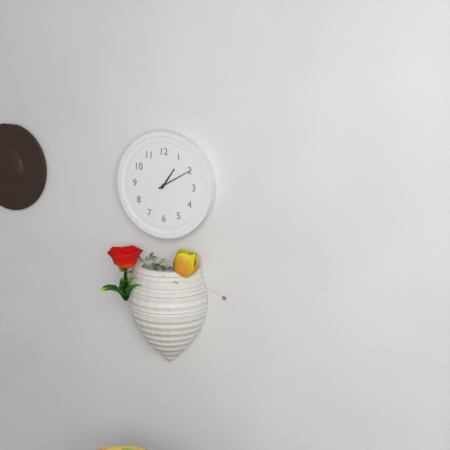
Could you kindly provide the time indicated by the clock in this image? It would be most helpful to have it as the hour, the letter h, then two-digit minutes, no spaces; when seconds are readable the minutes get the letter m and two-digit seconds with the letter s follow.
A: 1h10
